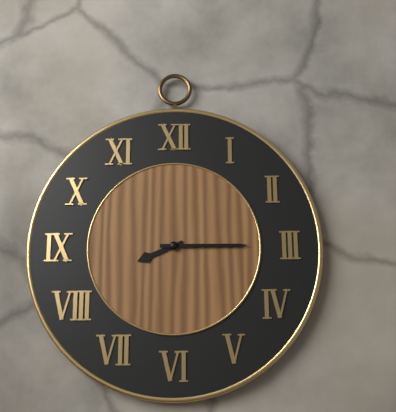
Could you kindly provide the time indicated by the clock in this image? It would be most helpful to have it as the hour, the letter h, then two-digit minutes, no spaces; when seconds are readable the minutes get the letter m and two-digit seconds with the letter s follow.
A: 8h15
